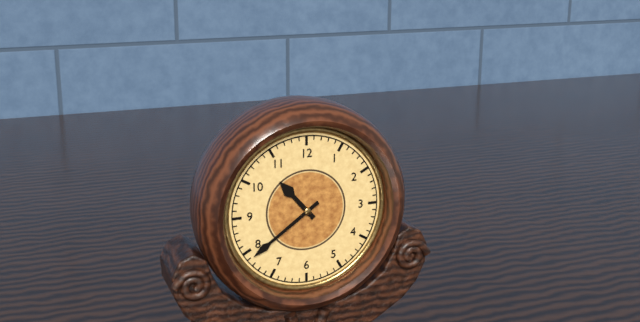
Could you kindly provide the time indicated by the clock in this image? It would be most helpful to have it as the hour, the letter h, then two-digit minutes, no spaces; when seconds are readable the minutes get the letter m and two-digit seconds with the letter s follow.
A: 10h39
